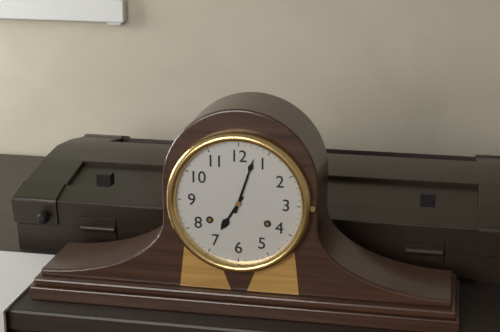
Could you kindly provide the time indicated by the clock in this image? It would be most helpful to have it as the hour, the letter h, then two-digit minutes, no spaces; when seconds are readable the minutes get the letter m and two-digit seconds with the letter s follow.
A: 7h03
